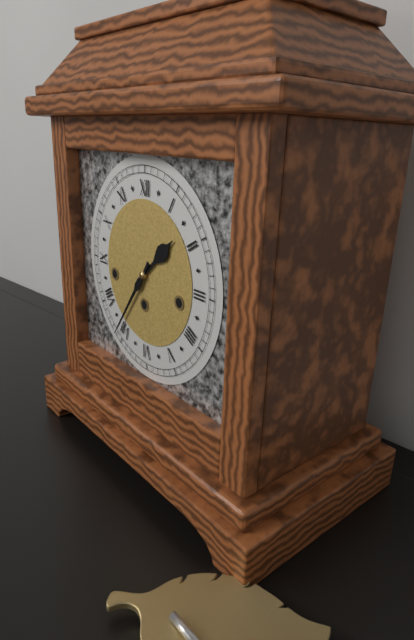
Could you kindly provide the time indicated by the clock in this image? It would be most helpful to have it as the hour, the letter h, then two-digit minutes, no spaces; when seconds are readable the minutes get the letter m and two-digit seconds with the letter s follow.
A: 1h36
